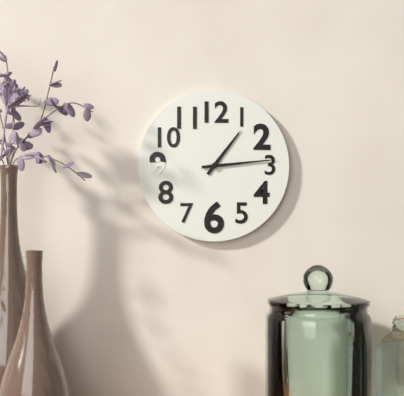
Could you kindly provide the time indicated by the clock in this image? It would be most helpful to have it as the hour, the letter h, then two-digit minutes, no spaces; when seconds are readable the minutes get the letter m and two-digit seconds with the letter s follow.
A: 1h14
